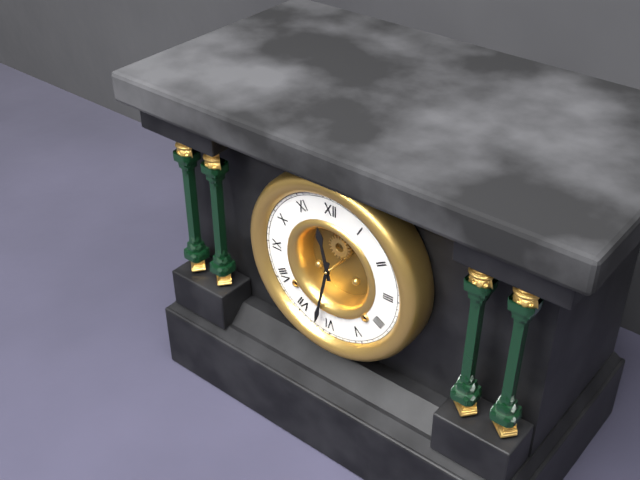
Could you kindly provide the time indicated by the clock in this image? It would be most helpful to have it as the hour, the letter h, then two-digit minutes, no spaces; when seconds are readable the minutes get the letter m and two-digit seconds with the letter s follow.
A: 11h32
